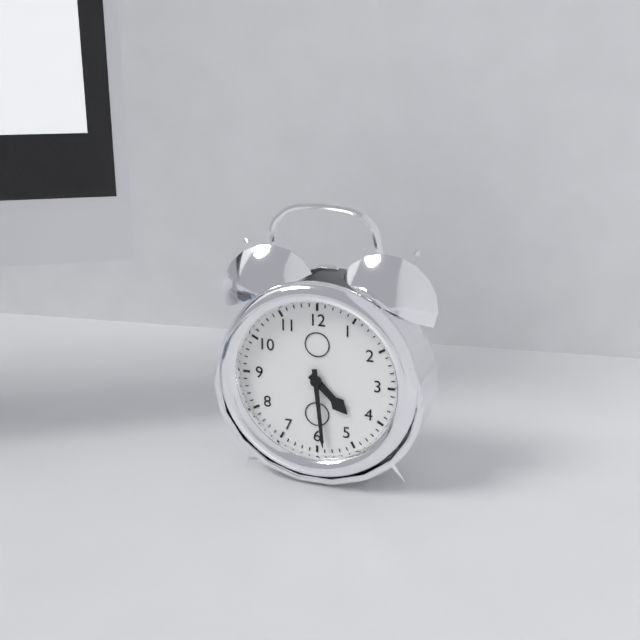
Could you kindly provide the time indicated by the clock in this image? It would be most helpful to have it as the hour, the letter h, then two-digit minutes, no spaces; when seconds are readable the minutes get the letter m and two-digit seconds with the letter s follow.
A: 4h29
